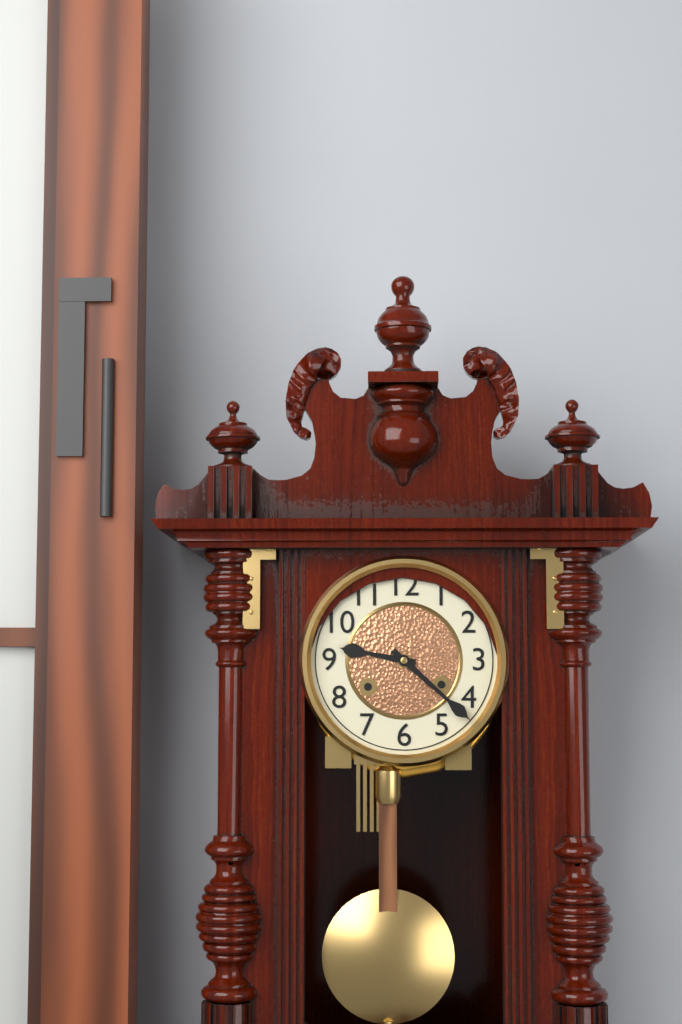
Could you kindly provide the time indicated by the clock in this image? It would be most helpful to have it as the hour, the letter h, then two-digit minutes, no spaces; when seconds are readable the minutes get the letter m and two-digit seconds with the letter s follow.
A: 9h22
